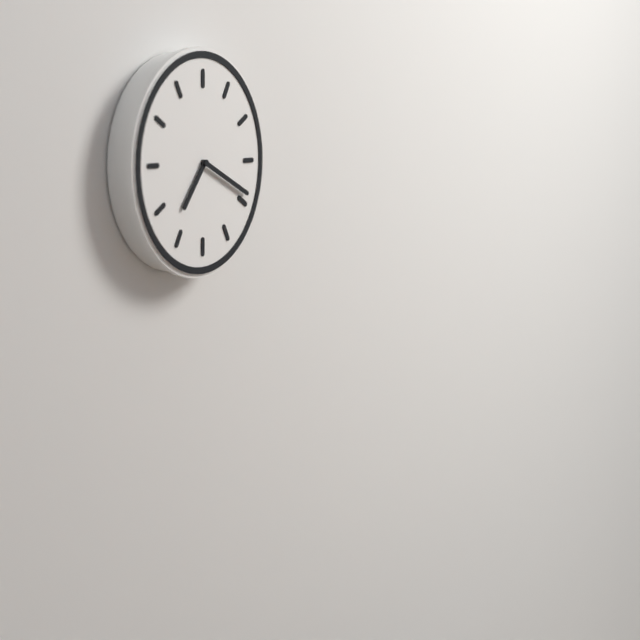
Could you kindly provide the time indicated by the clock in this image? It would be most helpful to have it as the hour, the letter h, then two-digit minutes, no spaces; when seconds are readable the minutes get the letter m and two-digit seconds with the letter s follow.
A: 7h19
